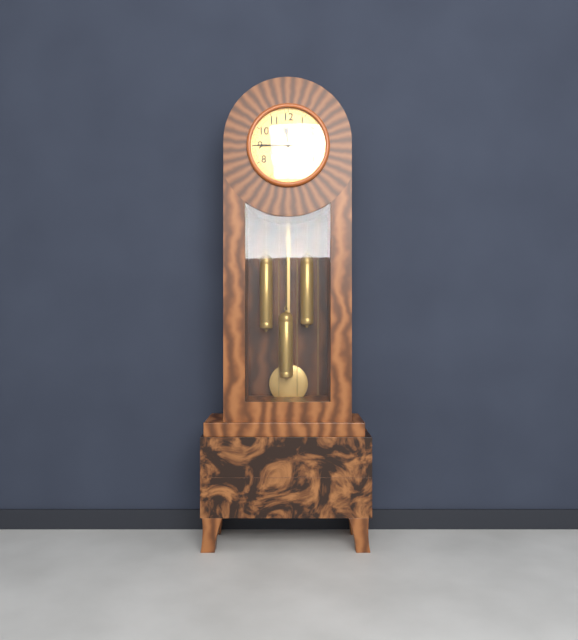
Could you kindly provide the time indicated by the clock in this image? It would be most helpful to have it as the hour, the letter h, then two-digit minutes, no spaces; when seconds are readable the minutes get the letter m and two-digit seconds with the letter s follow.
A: 11h45
